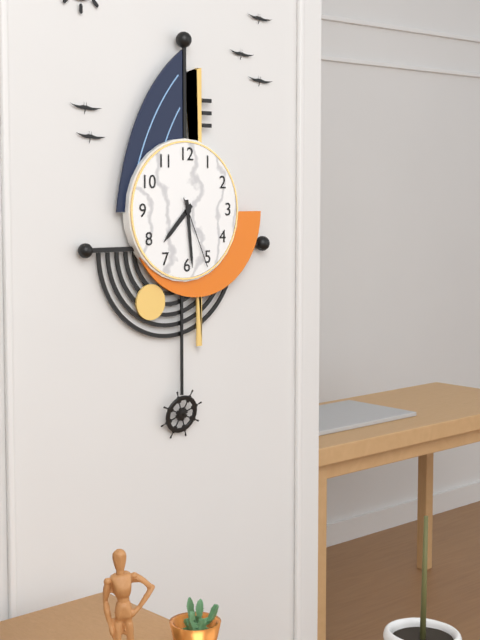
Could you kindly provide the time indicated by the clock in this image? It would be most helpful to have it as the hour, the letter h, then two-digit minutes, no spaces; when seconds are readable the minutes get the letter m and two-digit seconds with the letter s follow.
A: 7h29m26s
